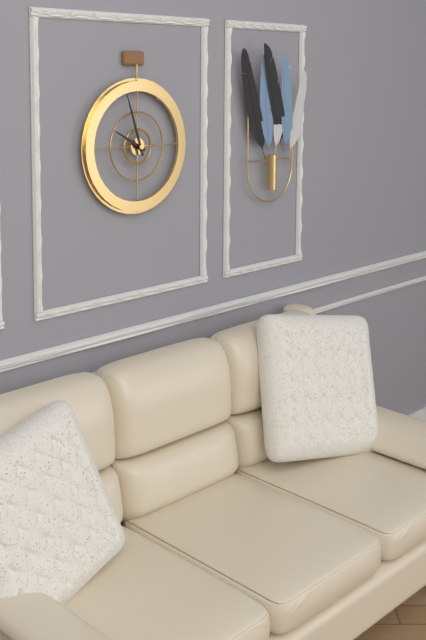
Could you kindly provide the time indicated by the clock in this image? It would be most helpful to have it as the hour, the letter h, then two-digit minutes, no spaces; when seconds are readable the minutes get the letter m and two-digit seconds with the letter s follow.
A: 9h57
